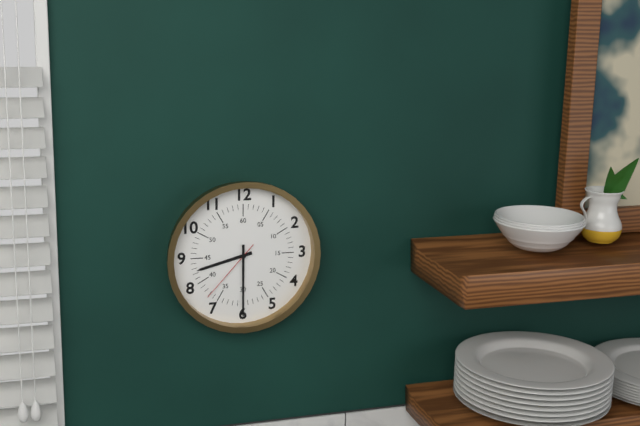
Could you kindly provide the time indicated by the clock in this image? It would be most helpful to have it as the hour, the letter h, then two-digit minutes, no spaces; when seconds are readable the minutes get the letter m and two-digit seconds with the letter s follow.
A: 8h30m37s
